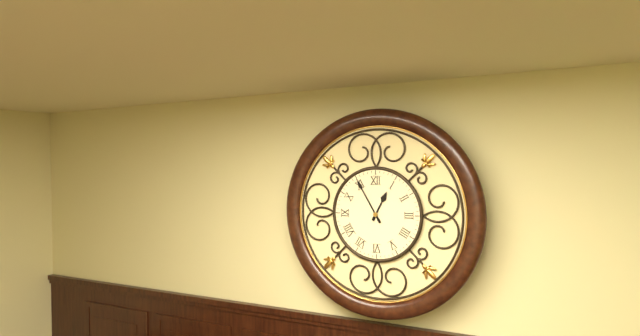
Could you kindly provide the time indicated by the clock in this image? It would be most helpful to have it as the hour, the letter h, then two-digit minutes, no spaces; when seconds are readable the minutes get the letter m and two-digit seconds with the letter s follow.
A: 12h55
